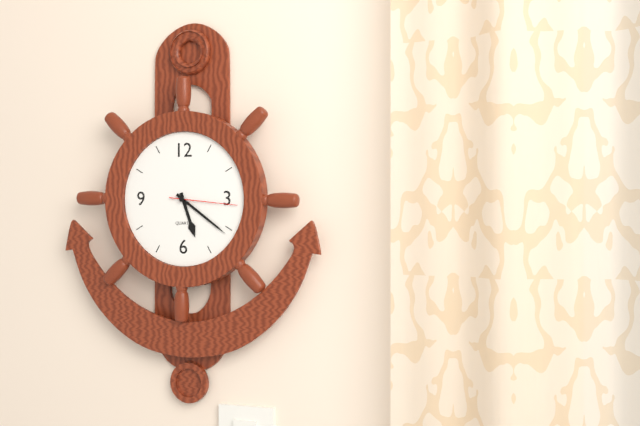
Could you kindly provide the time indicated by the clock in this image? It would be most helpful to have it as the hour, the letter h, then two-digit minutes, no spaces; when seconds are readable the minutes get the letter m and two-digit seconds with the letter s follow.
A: 5h21m16s
